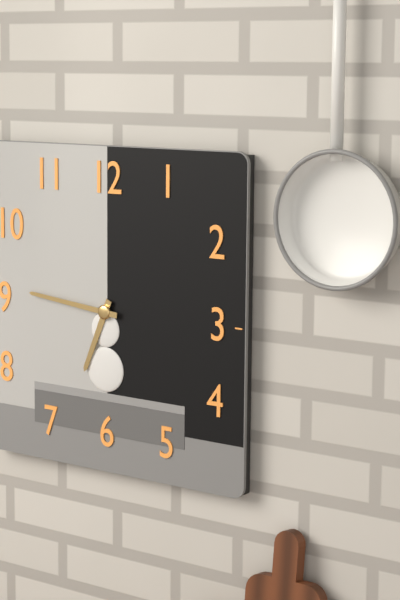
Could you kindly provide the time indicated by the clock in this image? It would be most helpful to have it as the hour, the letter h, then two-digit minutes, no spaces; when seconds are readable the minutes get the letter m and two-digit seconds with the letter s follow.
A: 6h46
